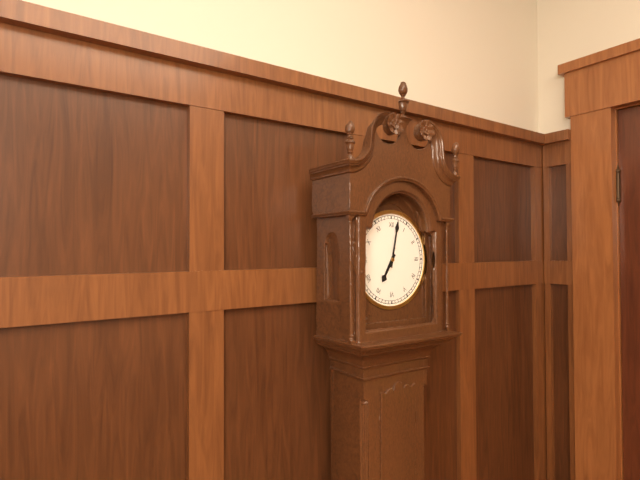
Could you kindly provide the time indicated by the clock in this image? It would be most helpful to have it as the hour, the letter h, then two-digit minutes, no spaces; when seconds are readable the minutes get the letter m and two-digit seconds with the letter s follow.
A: 7h02
